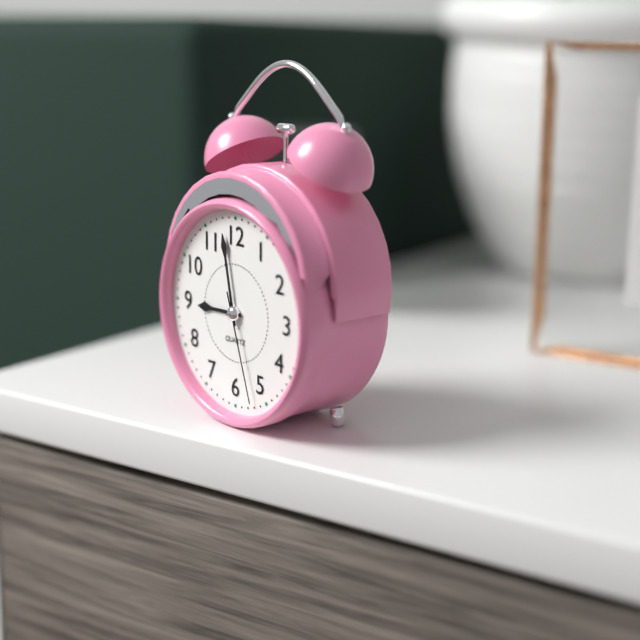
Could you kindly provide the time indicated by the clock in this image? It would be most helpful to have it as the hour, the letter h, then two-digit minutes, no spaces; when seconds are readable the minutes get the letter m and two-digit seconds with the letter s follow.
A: 8h58m27s
